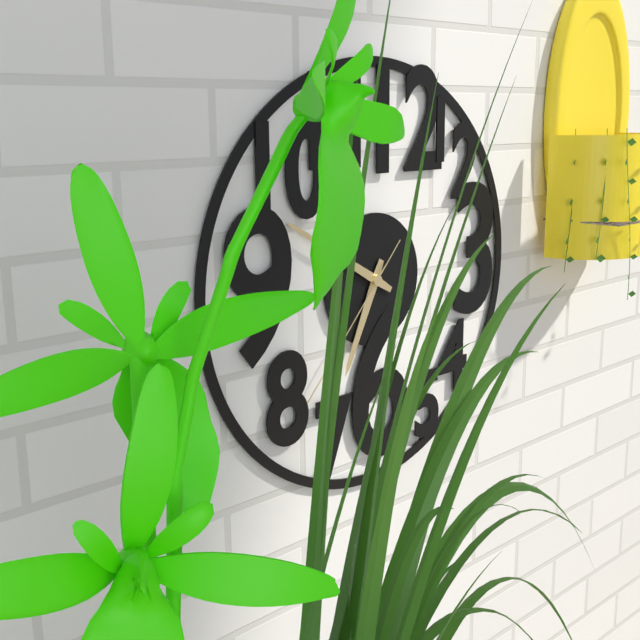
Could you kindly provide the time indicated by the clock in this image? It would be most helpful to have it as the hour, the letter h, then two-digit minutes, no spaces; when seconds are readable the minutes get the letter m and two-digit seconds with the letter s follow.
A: 6h50m37s
